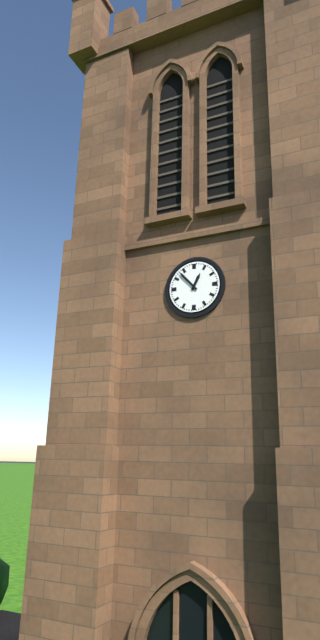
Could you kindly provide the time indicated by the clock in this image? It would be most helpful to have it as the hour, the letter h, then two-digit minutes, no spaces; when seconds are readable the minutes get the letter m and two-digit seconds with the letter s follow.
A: 12h53
